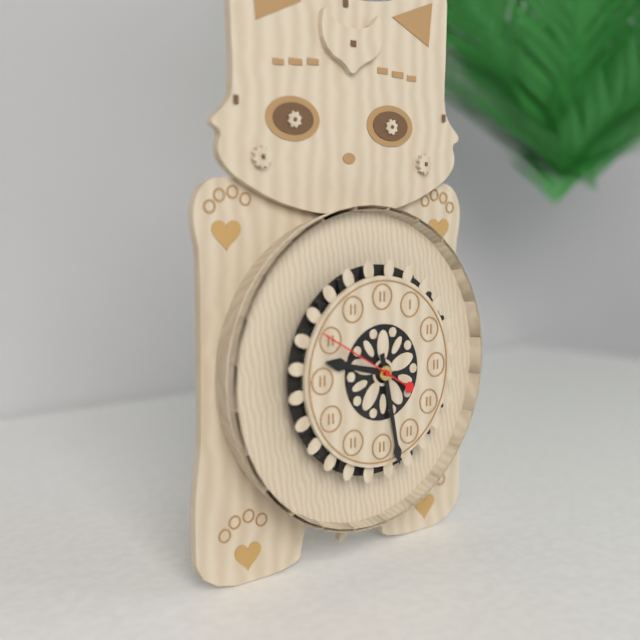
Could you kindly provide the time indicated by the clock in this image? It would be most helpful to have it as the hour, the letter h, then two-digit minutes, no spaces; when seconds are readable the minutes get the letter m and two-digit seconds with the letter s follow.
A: 9h28m50s
